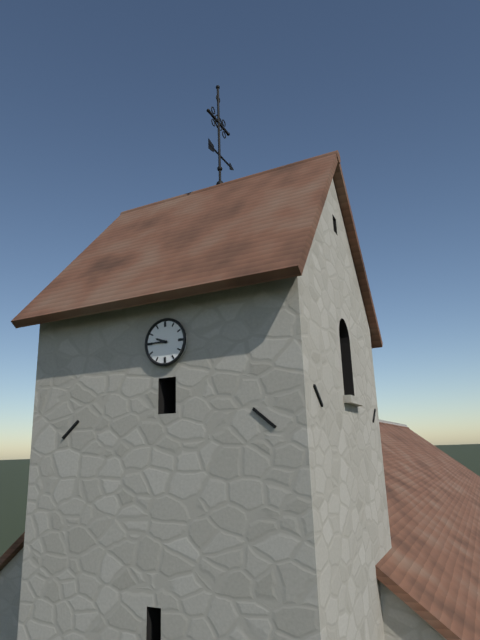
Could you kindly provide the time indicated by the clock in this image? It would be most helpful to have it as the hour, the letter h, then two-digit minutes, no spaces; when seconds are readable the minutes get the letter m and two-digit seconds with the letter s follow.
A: 9h45
